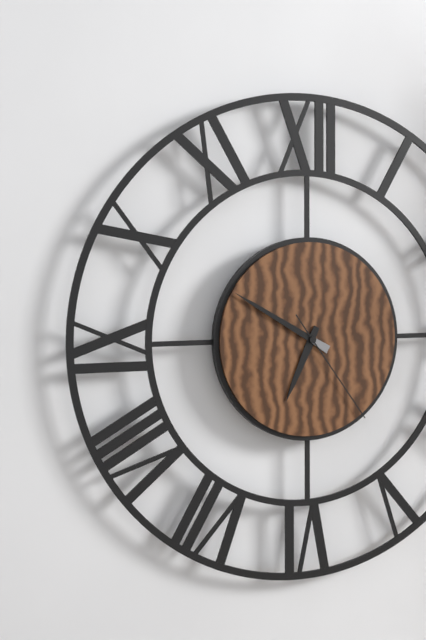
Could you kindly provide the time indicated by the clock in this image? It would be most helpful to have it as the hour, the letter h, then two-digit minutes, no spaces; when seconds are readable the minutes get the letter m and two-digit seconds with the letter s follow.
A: 6h50m24s
